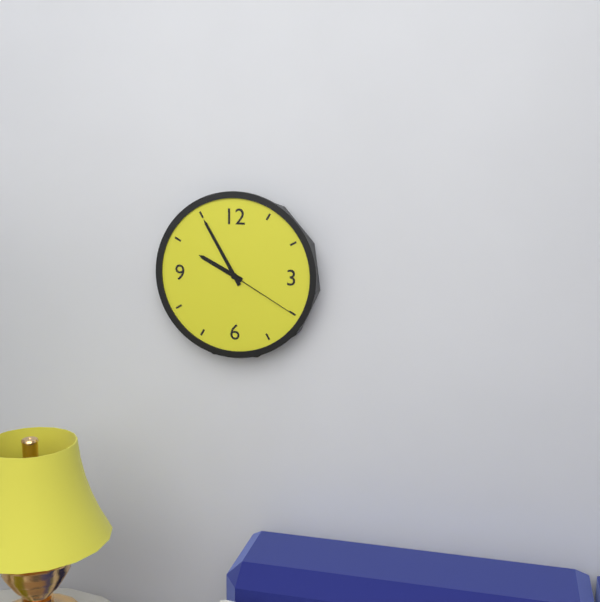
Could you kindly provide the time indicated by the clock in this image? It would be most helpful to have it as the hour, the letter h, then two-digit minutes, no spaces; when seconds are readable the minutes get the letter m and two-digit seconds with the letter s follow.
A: 9h55m20s
